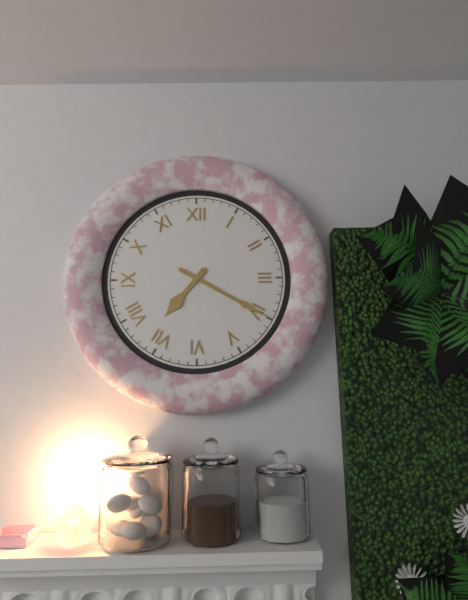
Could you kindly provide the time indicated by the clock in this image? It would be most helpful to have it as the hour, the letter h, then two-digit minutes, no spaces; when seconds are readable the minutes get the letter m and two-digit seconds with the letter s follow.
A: 7h20
